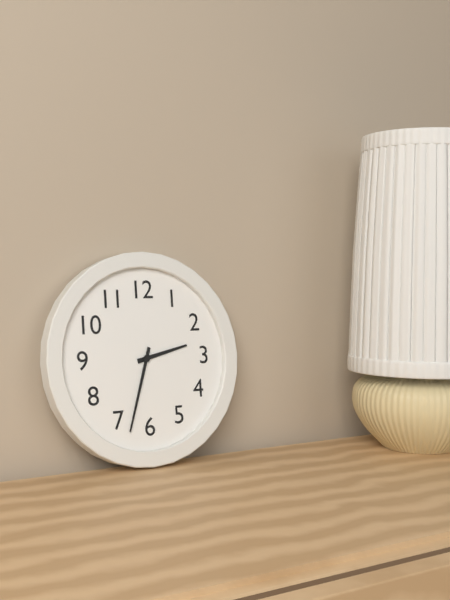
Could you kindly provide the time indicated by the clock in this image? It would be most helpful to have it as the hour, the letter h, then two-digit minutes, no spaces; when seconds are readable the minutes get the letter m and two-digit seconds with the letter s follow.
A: 2h33
